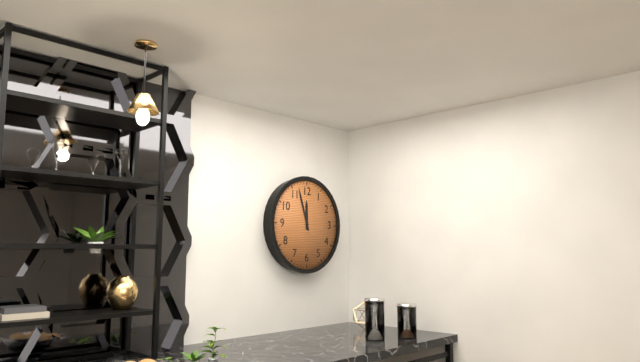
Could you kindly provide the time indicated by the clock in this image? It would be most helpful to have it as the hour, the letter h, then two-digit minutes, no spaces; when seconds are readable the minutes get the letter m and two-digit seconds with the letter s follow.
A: 11h57
